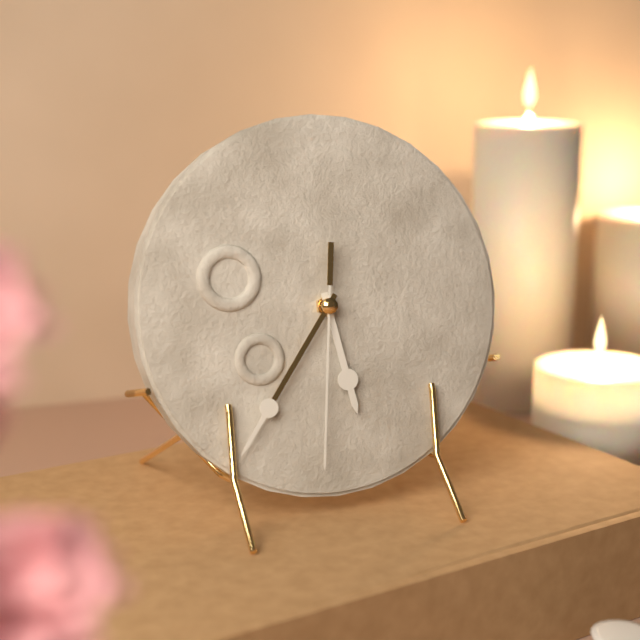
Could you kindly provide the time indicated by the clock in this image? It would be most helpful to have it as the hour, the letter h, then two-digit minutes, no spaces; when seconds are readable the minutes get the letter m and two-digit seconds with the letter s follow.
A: 5h36m31s
